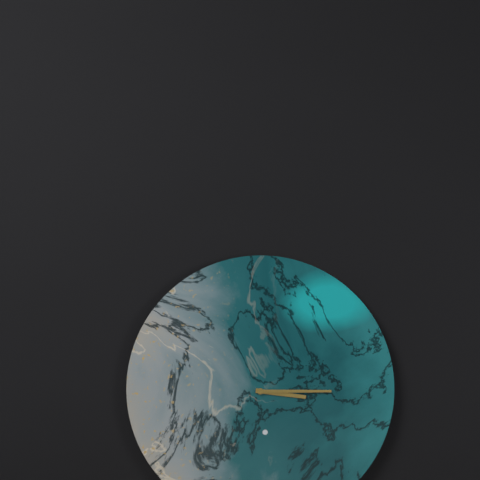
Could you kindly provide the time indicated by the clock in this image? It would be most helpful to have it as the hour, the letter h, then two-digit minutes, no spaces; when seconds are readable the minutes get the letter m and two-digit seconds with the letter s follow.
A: 3h15
